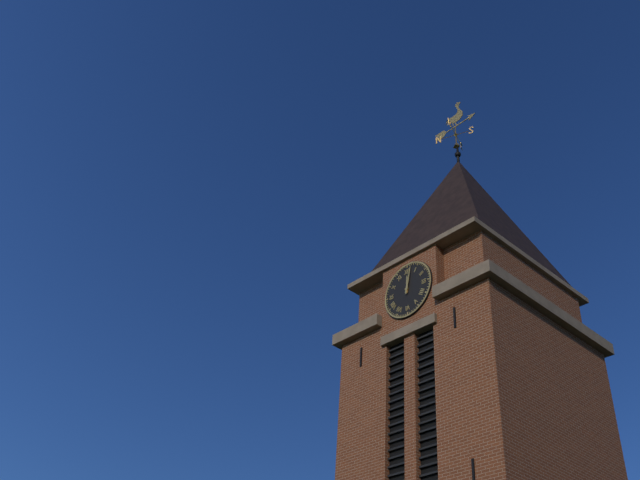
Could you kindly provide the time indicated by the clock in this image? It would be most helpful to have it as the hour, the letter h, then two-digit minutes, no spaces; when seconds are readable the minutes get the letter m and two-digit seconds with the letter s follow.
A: 12h02
